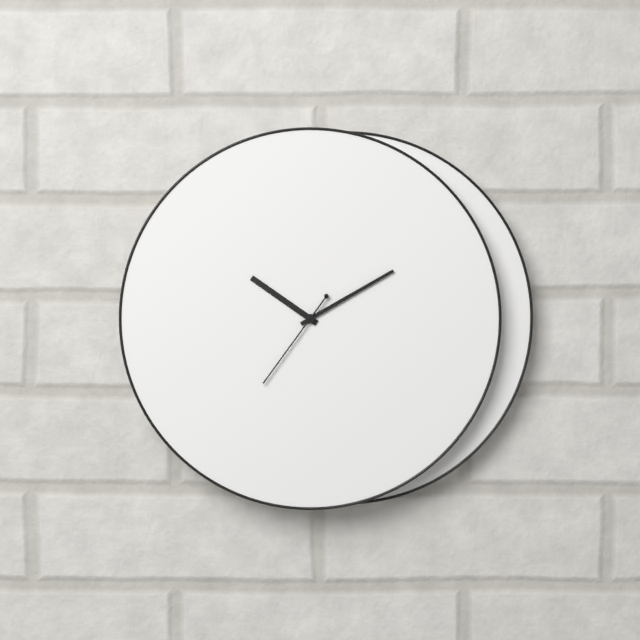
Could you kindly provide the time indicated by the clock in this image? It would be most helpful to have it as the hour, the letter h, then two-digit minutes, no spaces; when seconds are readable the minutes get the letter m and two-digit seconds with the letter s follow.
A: 10h10m36s
